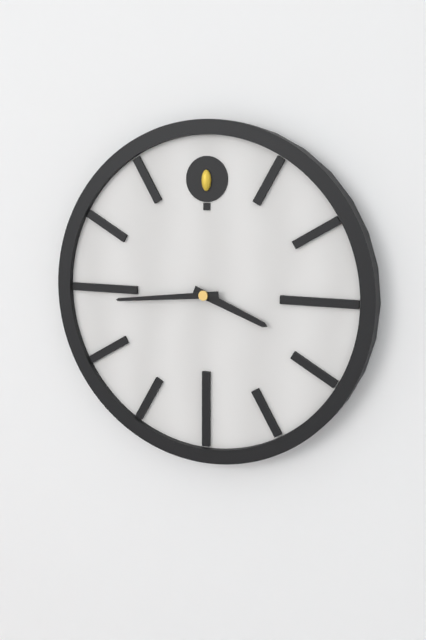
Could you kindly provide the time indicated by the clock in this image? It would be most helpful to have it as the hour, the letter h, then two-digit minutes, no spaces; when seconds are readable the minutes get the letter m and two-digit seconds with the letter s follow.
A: 3h44
